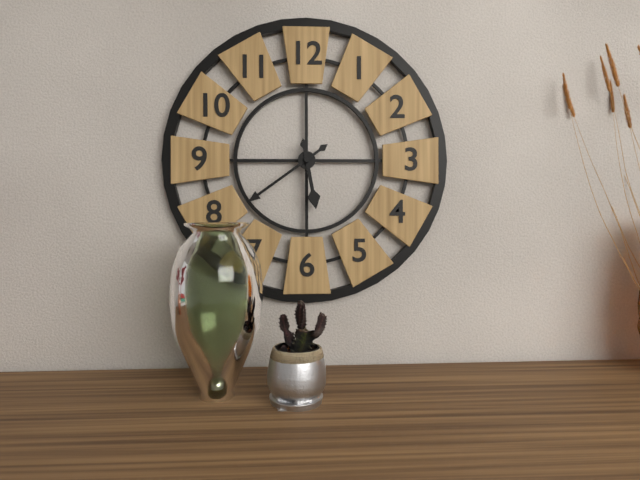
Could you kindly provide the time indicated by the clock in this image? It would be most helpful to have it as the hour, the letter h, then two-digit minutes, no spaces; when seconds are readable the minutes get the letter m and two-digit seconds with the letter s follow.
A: 5h39
